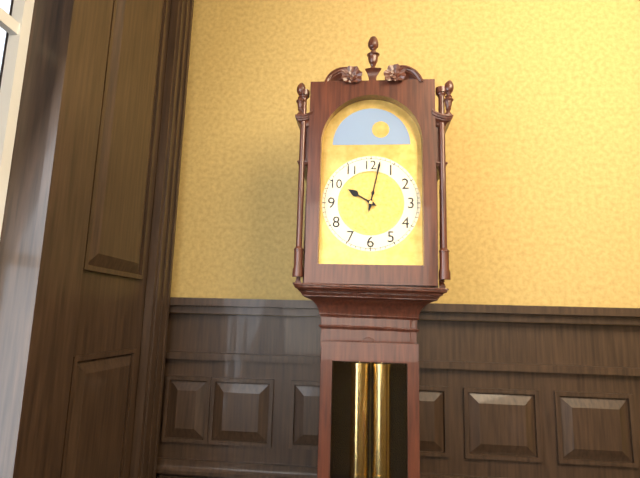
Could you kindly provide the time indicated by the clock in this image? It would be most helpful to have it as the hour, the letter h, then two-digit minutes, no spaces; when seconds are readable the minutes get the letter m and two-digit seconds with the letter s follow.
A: 10h02
